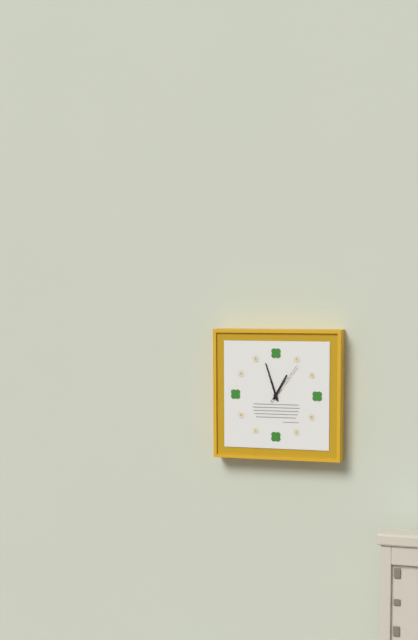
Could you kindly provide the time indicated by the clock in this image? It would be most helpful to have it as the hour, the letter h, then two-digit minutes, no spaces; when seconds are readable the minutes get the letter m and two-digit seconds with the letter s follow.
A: 12h57
